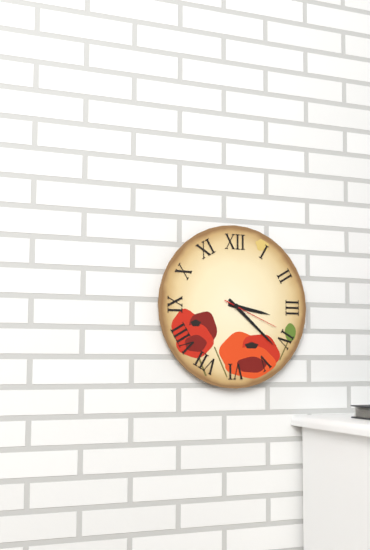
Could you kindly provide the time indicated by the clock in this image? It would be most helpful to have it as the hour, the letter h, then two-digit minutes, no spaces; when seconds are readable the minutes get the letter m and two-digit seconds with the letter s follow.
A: 3h22m19s
